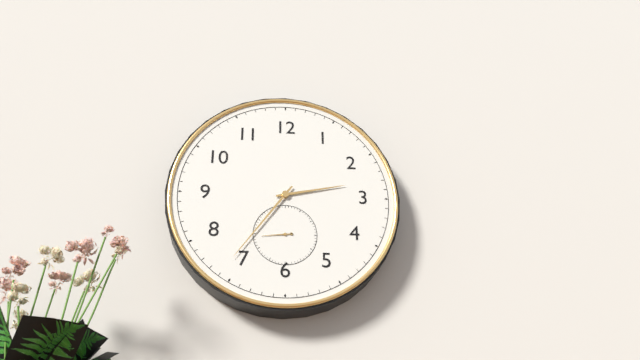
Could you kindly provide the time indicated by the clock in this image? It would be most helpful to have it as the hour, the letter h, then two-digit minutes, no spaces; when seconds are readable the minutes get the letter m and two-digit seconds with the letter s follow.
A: 2h36
